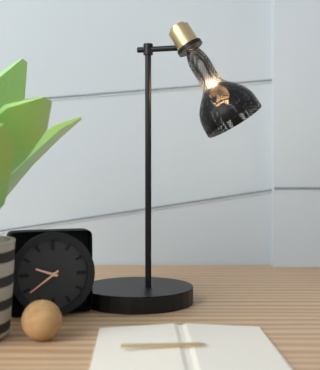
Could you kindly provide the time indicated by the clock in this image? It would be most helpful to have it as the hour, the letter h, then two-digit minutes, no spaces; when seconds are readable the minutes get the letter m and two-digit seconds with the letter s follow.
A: 9h39
